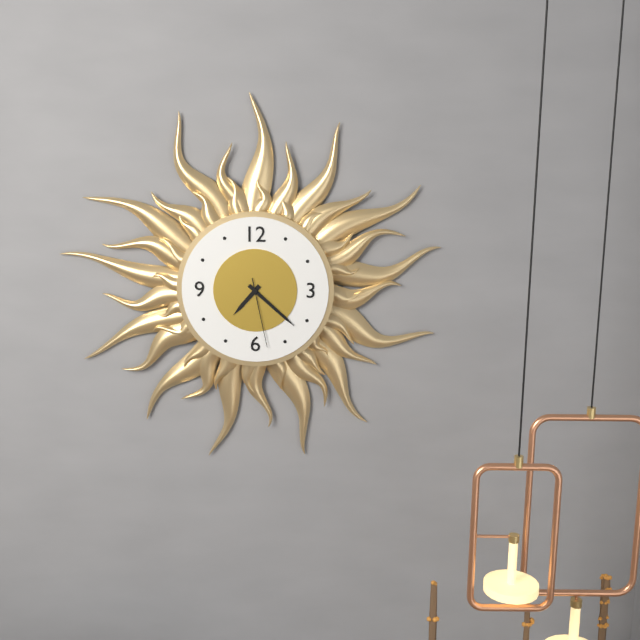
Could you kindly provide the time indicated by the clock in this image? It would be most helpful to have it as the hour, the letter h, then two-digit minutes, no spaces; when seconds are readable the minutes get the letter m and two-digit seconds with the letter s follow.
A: 7h22m28s
